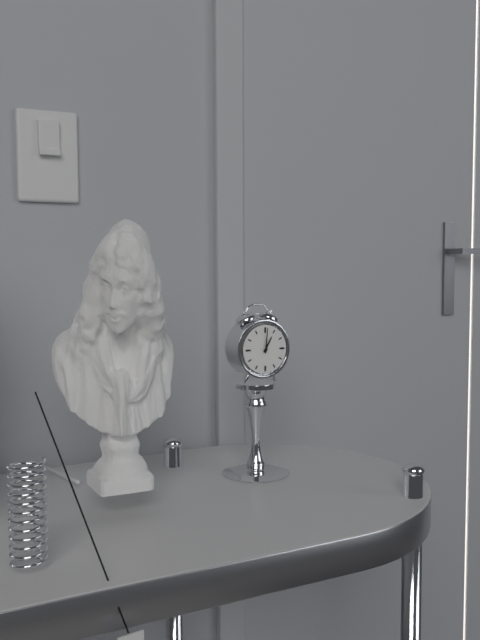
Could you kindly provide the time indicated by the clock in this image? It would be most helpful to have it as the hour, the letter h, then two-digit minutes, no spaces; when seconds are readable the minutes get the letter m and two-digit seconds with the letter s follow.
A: 1h01
